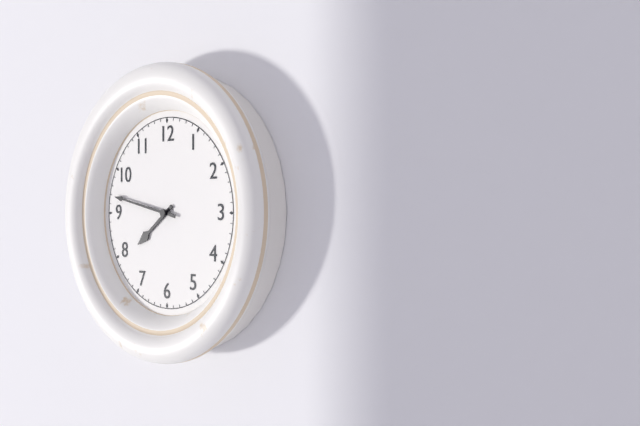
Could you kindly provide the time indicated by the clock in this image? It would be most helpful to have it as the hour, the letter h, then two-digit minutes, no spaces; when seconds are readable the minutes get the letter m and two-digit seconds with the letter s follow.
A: 7h47
